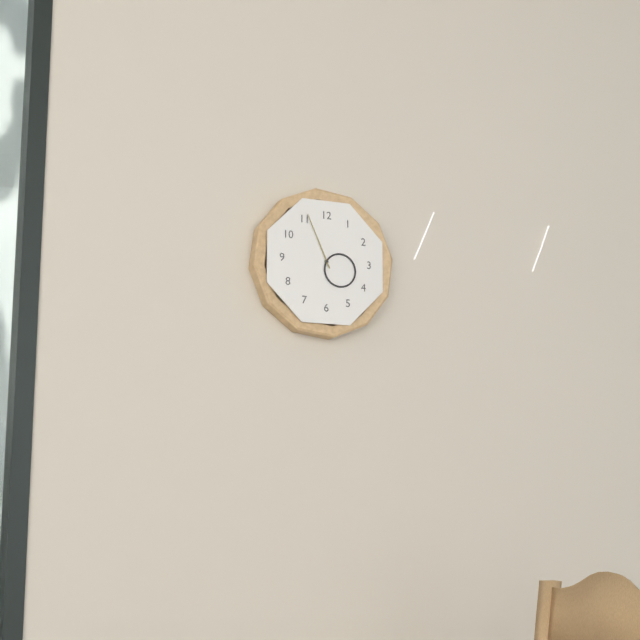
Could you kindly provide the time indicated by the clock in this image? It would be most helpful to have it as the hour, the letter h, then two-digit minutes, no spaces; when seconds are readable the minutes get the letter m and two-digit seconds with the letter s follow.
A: 3h56
